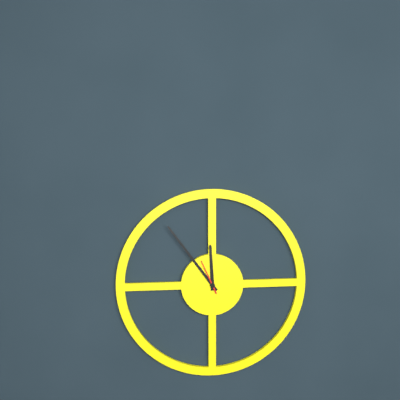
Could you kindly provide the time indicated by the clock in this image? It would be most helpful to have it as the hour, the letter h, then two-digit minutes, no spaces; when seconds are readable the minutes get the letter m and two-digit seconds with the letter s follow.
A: 11h54
